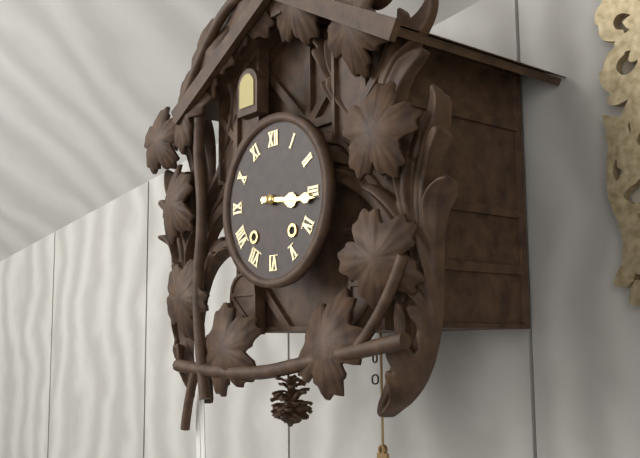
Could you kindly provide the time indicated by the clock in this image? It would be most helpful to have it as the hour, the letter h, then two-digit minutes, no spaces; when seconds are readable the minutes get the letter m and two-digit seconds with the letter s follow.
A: 3h16
